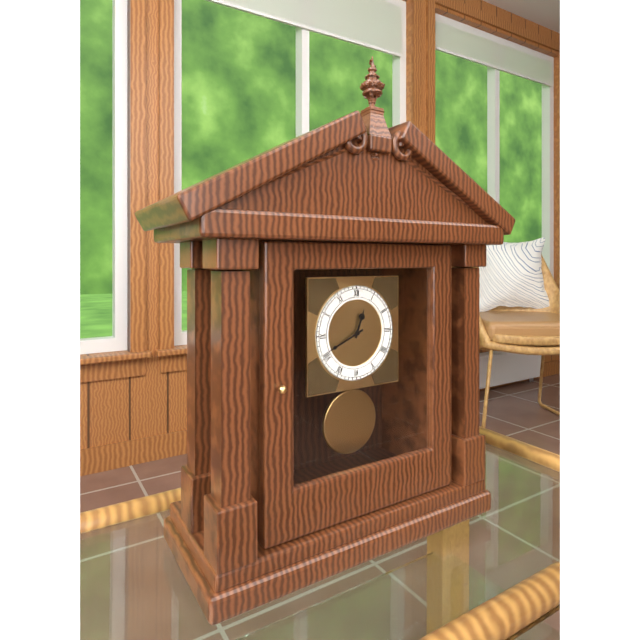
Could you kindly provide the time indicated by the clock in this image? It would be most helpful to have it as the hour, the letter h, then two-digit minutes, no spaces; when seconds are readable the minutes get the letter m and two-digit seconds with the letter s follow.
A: 12h41
